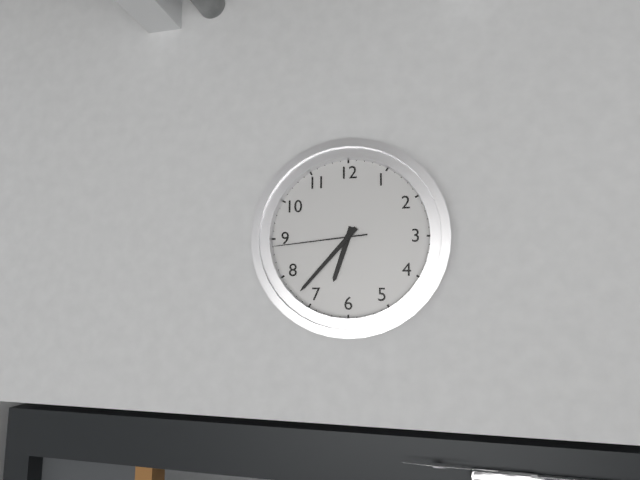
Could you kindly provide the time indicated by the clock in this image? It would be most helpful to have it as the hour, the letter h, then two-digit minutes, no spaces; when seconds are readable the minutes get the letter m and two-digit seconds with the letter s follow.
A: 6h37m44s
